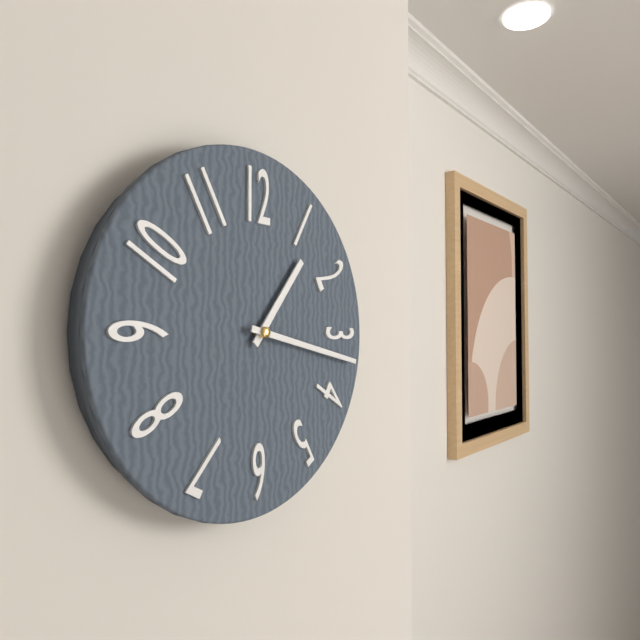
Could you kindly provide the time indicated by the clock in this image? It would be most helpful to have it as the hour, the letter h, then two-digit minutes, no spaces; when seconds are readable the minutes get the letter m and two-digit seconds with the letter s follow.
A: 1h17
